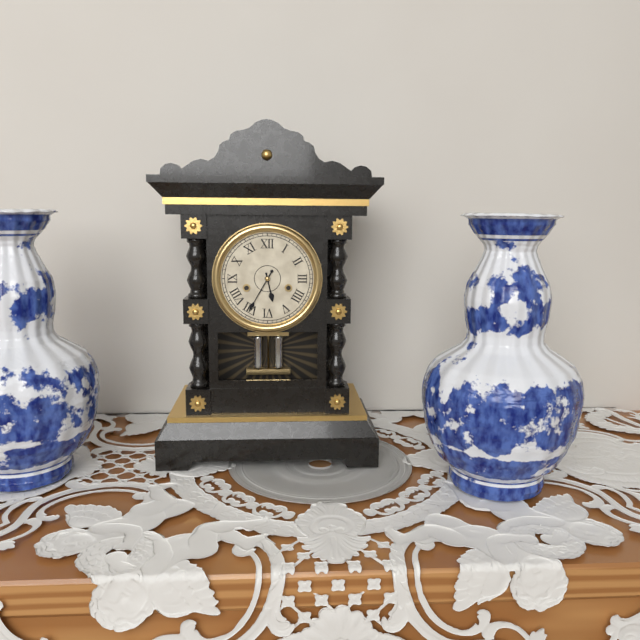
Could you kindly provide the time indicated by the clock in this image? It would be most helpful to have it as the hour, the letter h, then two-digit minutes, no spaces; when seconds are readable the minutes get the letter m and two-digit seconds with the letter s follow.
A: 5h35
